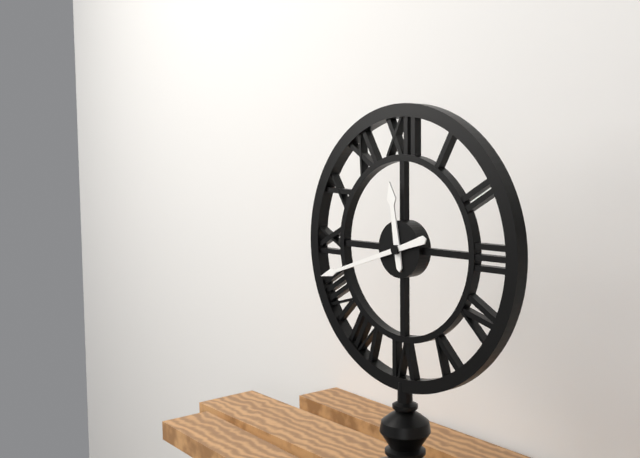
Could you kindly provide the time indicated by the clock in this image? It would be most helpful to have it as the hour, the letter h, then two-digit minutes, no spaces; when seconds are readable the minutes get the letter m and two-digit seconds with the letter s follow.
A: 11h42
